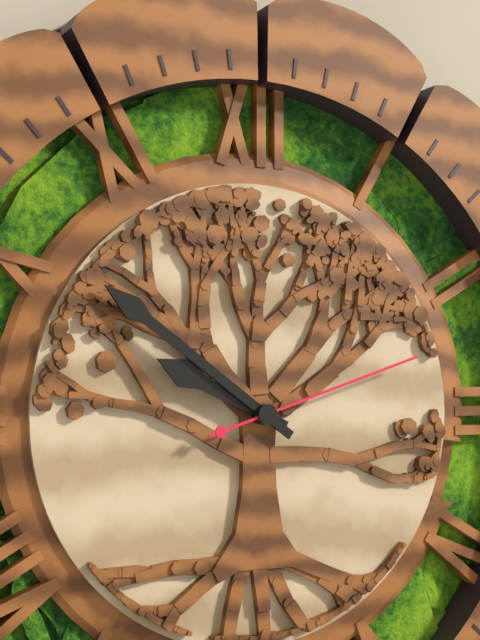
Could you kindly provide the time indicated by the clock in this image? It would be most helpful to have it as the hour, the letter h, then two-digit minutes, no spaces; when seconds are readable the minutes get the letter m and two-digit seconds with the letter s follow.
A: 9h51m12s
